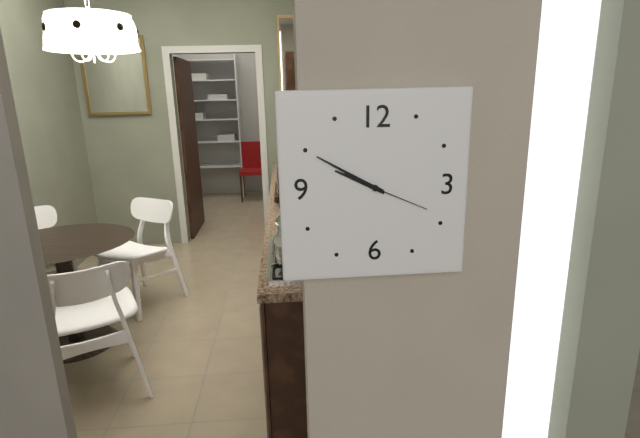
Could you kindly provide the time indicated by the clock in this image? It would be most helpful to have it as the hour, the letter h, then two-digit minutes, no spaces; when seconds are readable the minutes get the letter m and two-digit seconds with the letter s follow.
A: 9h50m19s
